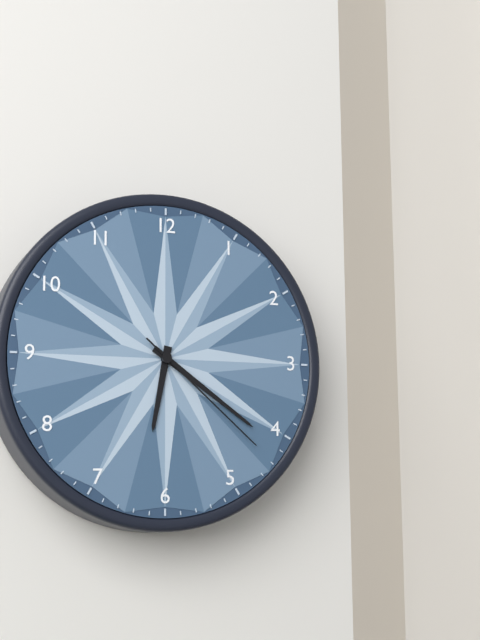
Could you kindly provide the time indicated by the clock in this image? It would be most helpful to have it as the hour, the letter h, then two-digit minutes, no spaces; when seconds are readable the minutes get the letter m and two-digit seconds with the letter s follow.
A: 6h21m22s
